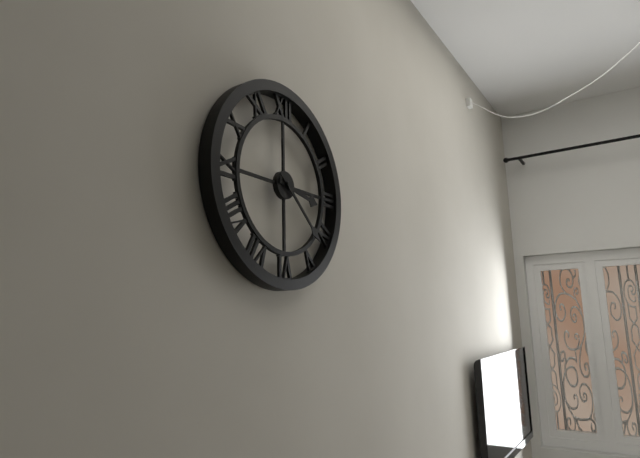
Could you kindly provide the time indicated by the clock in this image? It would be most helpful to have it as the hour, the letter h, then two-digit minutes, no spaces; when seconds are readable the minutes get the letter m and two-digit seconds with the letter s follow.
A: 3h22
